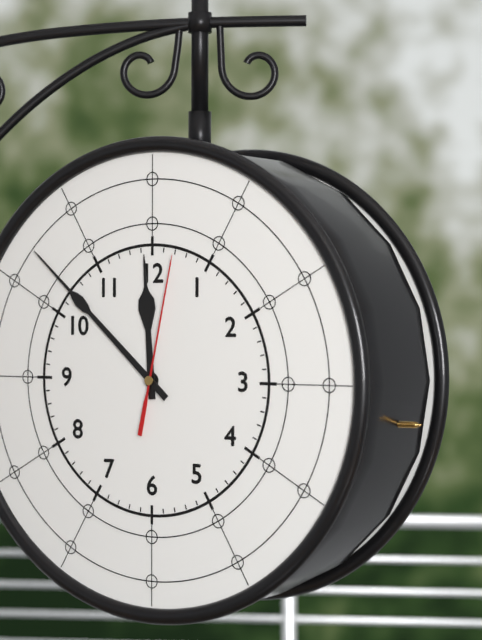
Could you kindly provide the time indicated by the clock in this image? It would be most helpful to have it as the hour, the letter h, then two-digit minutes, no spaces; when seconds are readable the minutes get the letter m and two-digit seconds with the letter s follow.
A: 11h52m02s
